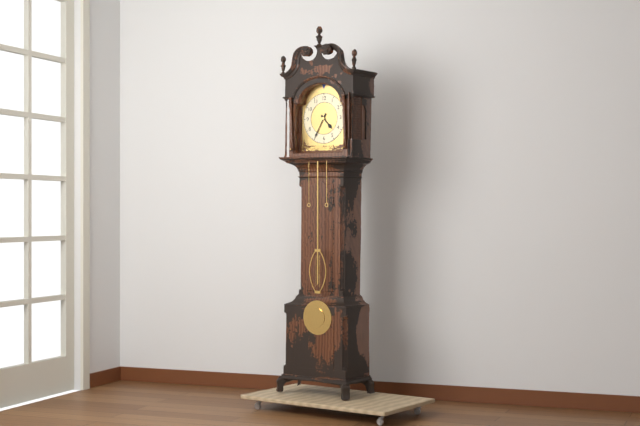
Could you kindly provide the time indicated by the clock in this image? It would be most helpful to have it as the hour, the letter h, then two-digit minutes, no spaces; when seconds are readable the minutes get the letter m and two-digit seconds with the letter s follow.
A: 4h35
